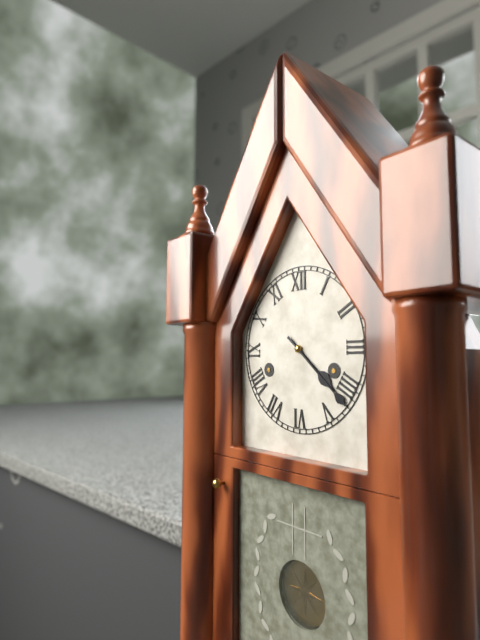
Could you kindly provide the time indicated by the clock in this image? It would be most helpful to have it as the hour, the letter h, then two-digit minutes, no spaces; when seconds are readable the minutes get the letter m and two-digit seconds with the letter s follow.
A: 4h22
